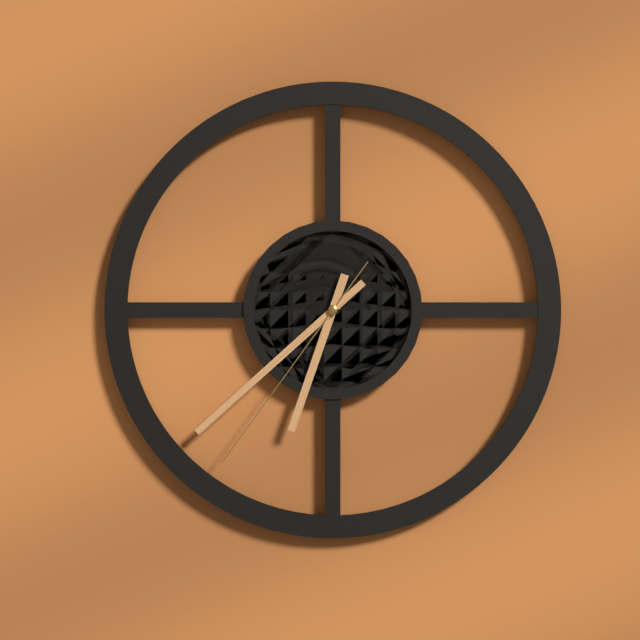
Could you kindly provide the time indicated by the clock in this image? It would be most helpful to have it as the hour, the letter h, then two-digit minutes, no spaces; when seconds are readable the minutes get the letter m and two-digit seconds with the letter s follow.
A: 6h38m36s
